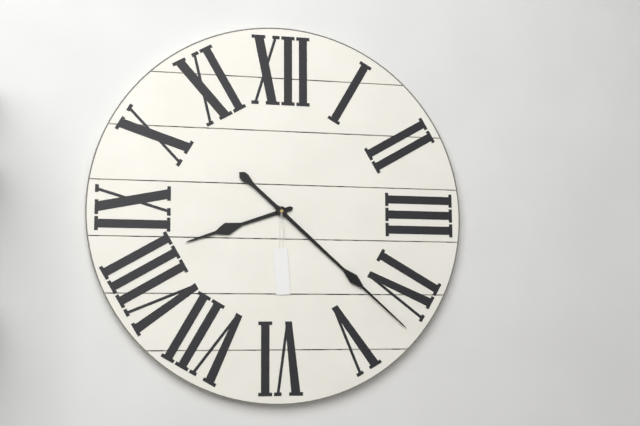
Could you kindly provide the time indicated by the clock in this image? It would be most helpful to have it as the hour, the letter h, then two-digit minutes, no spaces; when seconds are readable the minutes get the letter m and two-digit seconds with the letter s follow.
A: 8h22
